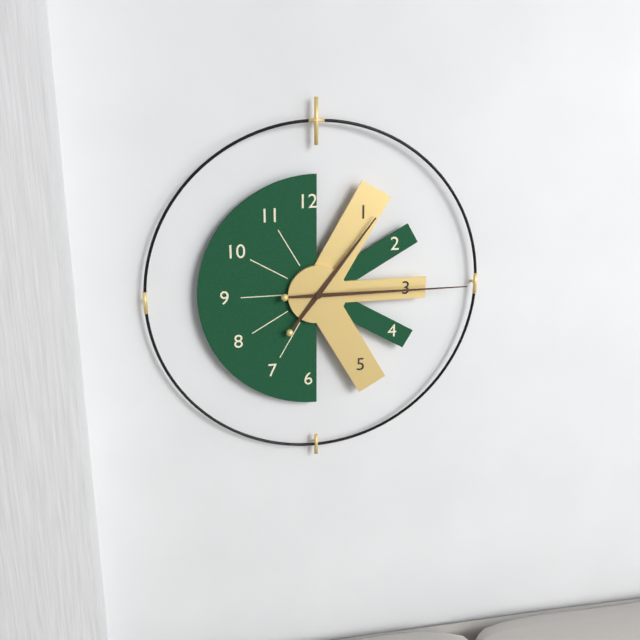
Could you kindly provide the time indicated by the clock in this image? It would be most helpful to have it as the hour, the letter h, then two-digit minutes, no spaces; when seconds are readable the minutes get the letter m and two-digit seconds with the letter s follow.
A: 1h15
